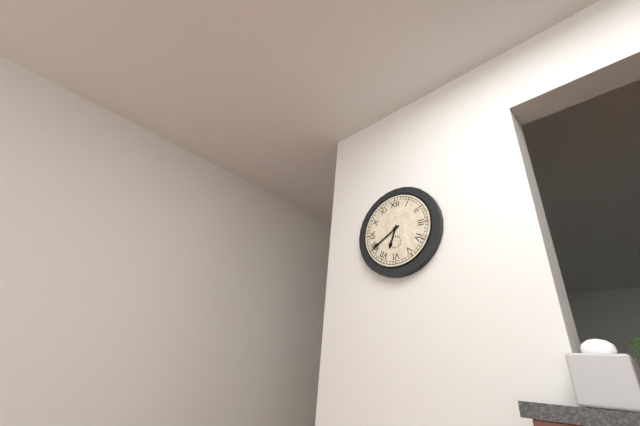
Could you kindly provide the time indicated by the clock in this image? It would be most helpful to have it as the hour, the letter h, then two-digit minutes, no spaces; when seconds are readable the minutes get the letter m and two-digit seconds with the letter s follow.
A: 6h40
